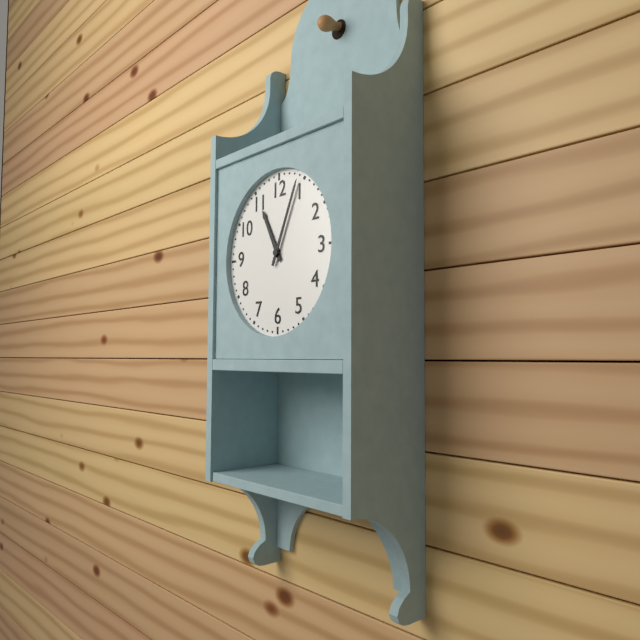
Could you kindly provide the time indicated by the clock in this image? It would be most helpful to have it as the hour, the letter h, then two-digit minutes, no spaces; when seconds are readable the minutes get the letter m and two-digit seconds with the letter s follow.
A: 11h04
